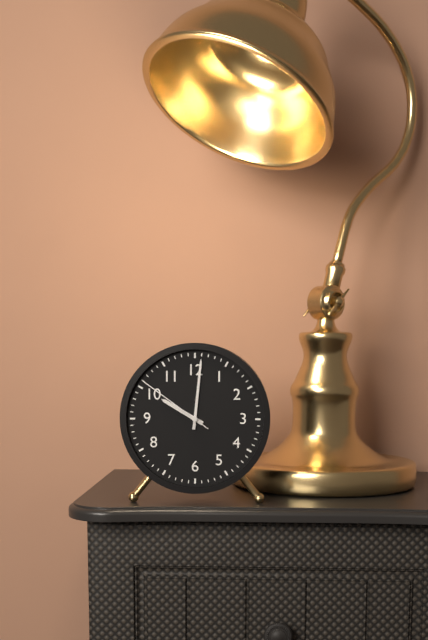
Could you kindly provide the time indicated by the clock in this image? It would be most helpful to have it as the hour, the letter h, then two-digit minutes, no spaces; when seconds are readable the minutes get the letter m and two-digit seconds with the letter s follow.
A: 10h01m51s
